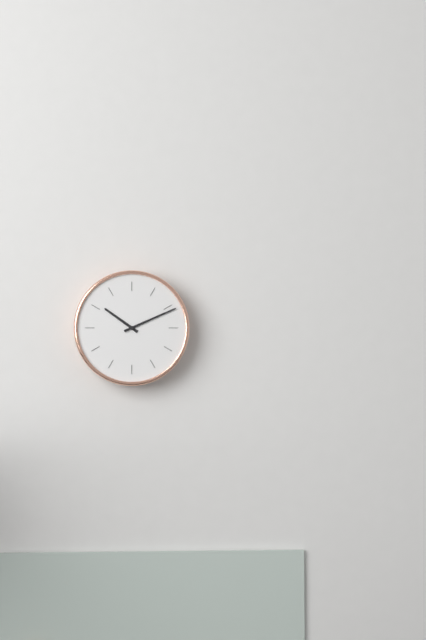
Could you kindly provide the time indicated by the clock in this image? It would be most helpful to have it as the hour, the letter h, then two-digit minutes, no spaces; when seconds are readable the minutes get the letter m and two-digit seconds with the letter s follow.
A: 10h11
